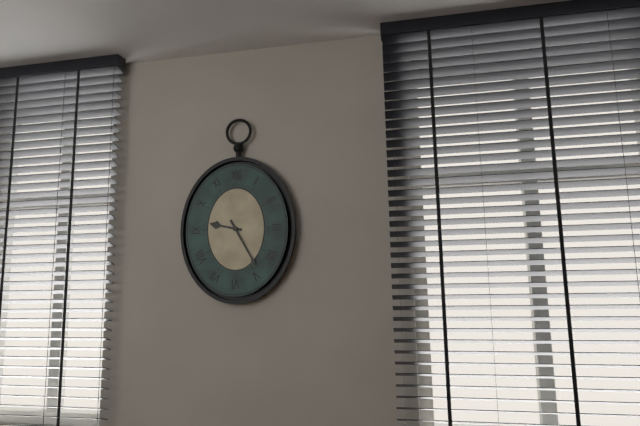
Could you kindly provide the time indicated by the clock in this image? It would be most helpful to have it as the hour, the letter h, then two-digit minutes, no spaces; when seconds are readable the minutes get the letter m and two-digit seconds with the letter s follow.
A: 9h25
